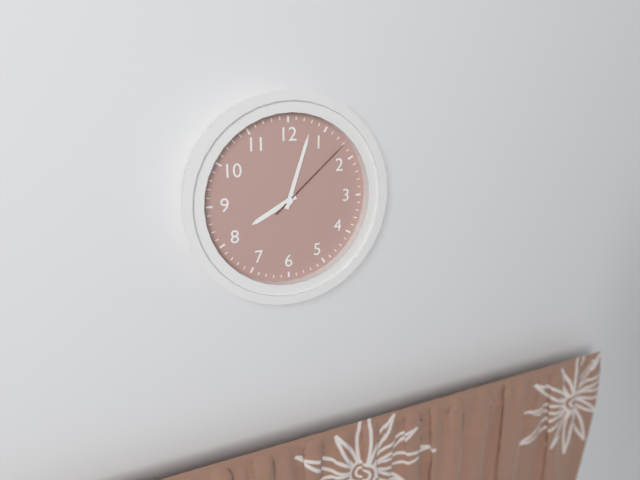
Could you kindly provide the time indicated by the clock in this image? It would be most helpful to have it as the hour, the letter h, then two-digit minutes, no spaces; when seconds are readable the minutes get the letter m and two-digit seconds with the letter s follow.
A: 8h03m08s
